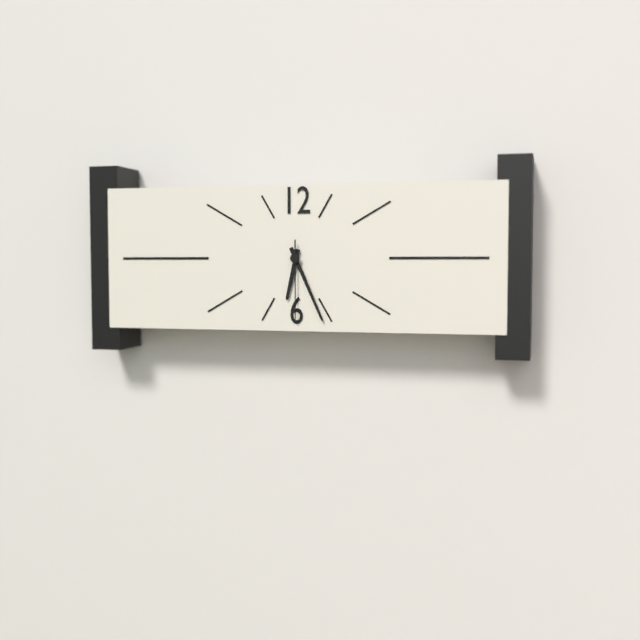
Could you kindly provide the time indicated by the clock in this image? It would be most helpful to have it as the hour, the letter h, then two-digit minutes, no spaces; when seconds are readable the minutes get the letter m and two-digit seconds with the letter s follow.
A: 6h26m30s
